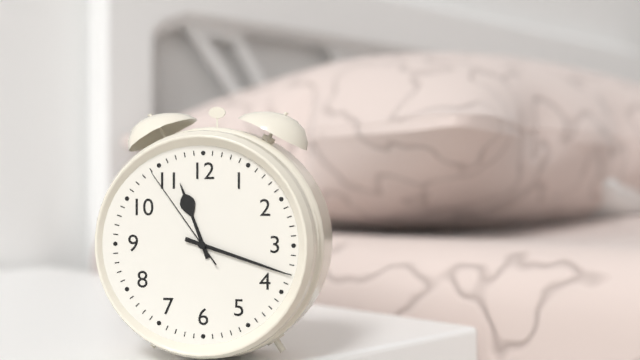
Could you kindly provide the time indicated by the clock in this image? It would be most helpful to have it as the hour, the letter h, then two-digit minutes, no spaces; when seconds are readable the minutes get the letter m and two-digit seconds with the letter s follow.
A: 11h18m54s
